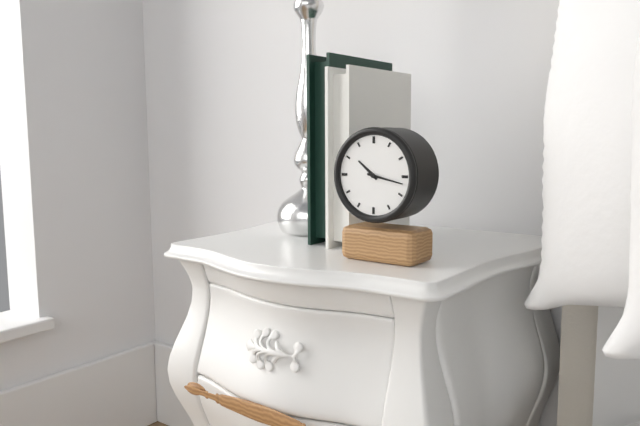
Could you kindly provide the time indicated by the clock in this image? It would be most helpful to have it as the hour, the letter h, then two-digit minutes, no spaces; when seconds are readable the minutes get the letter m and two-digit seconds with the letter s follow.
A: 10h17
